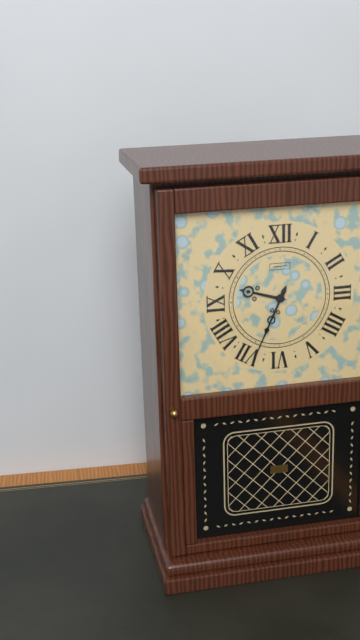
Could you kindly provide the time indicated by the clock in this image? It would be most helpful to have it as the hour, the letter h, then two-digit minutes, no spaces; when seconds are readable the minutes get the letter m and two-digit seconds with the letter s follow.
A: 9h34
